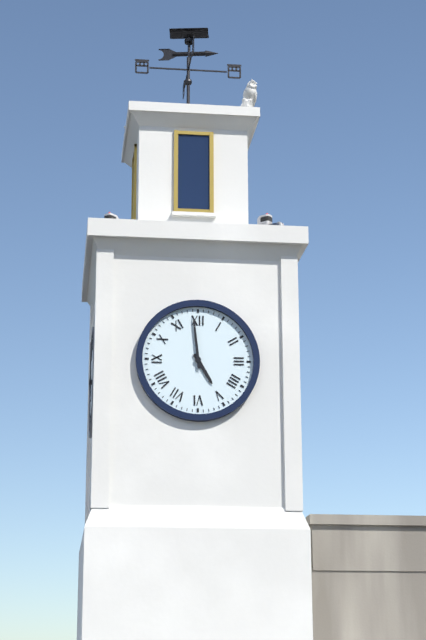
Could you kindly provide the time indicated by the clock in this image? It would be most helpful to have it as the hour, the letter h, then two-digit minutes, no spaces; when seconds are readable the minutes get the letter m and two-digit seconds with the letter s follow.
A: 4h59
